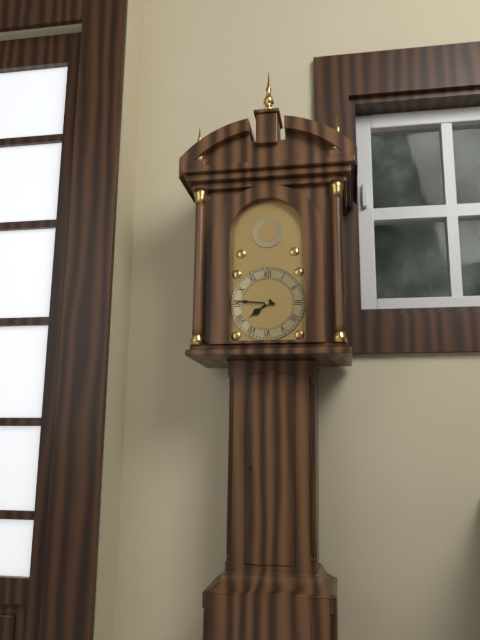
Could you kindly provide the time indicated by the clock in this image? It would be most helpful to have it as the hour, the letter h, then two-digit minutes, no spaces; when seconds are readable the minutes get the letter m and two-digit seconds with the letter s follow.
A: 7h46
